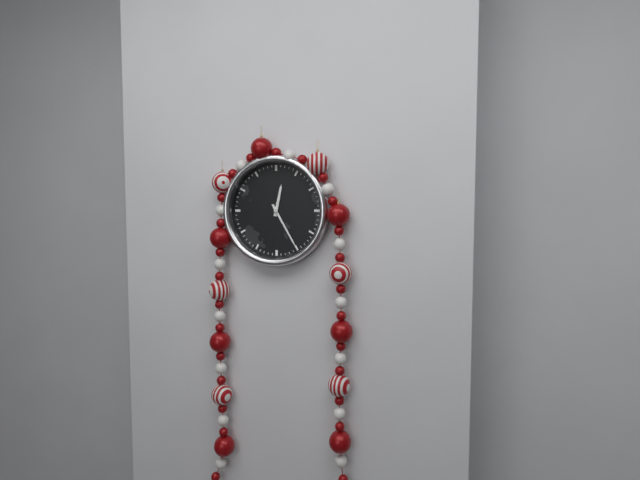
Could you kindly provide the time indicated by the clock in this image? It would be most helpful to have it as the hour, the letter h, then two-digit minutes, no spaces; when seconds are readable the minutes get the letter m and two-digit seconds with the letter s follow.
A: 12h25
